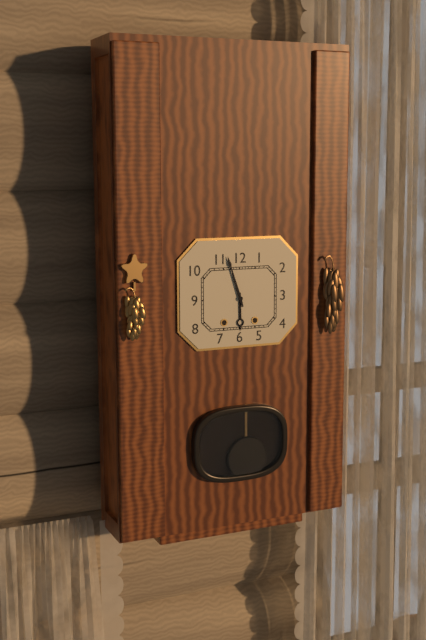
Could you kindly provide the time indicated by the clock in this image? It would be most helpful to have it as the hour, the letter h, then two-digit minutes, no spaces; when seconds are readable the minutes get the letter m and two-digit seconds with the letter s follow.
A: 5h57
